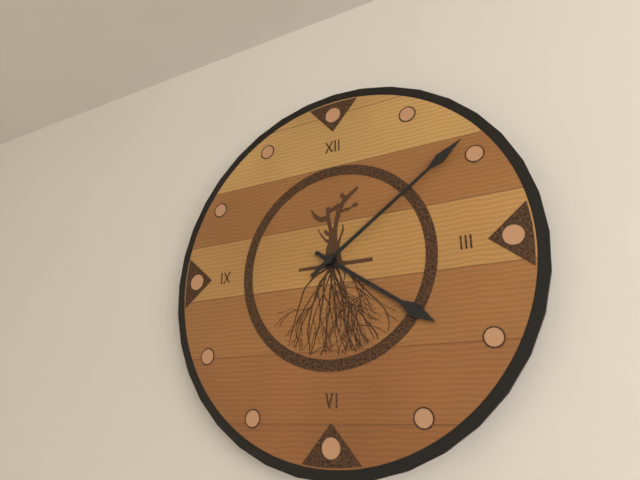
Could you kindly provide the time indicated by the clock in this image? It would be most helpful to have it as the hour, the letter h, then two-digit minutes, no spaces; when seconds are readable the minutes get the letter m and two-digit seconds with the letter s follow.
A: 4h09
